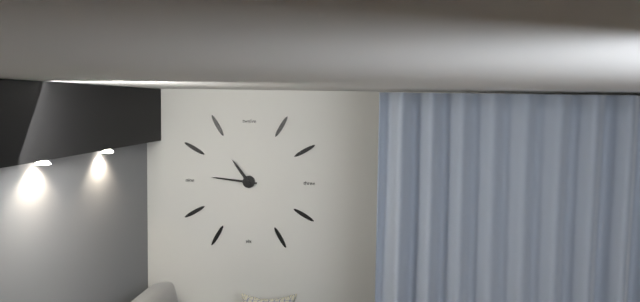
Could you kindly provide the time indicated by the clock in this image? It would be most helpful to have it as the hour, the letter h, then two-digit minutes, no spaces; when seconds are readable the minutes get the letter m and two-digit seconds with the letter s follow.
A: 10h46
